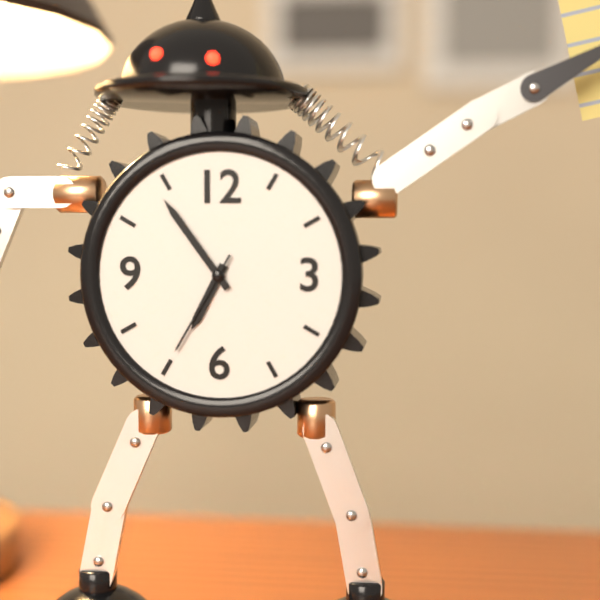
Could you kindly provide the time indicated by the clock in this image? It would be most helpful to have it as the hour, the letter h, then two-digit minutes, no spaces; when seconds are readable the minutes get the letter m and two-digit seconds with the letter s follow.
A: 6h54m35s
